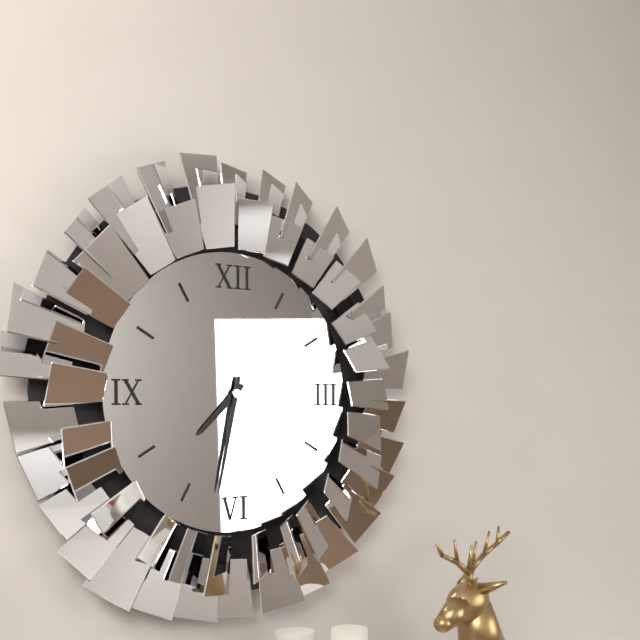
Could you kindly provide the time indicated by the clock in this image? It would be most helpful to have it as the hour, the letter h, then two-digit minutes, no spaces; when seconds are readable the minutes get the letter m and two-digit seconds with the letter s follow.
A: 7h32
